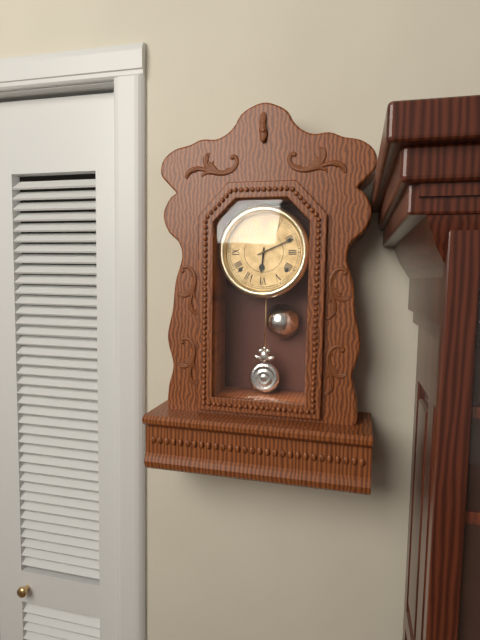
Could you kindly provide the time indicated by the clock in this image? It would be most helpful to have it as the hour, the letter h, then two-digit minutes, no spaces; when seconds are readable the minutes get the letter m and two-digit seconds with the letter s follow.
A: 6h11
